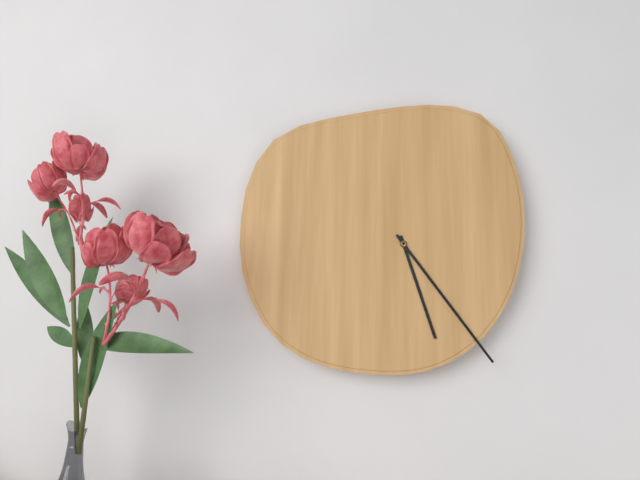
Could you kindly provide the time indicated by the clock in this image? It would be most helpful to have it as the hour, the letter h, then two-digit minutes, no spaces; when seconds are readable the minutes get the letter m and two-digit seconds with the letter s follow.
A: 5h24
